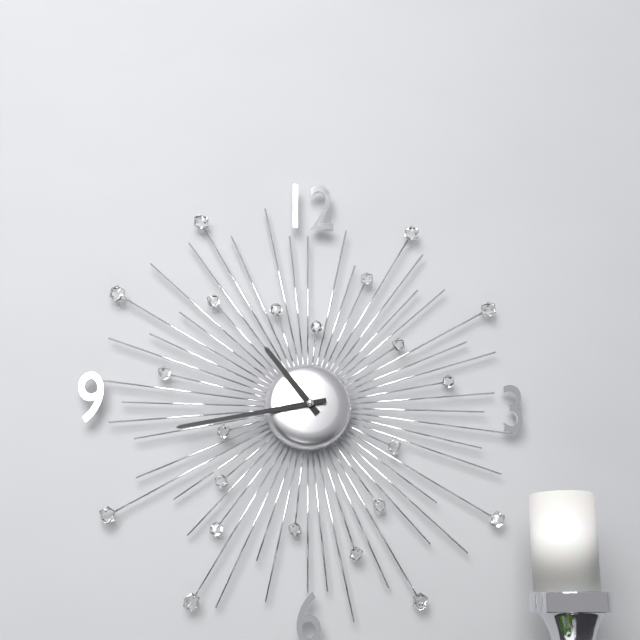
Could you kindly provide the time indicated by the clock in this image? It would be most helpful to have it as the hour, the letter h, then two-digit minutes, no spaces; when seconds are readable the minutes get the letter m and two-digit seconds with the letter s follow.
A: 10h43
